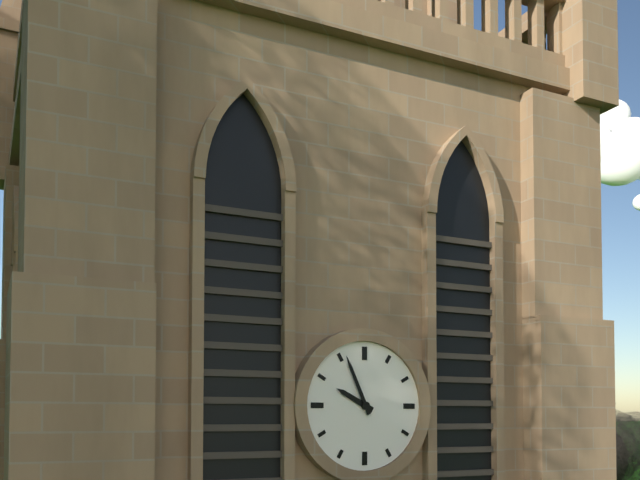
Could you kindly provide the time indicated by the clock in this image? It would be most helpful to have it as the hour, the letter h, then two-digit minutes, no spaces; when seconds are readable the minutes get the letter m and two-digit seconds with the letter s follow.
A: 9h56
